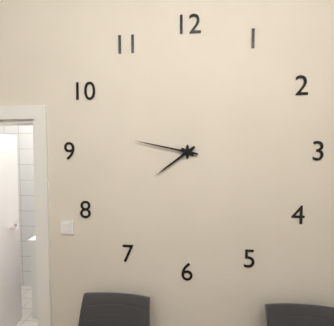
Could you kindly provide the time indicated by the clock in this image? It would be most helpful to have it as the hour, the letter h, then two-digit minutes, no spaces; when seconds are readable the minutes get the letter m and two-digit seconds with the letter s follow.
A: 7h47
